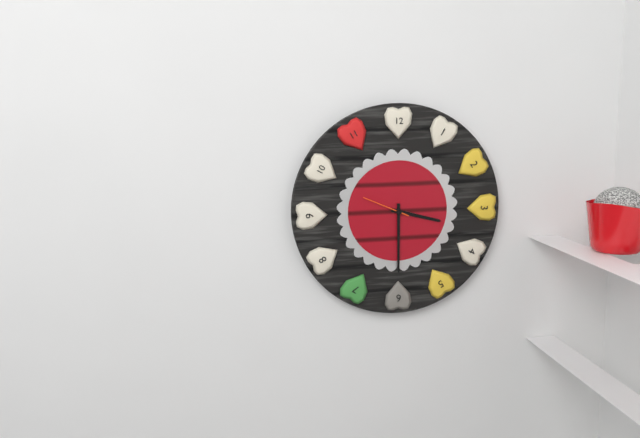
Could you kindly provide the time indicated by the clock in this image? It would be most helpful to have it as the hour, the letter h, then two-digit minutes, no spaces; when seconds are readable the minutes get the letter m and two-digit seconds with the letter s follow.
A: 3h30
